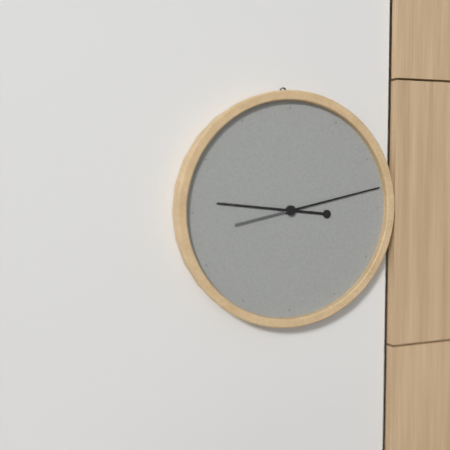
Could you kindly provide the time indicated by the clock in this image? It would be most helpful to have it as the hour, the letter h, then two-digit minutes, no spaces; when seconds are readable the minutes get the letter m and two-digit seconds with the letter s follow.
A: 9h13
